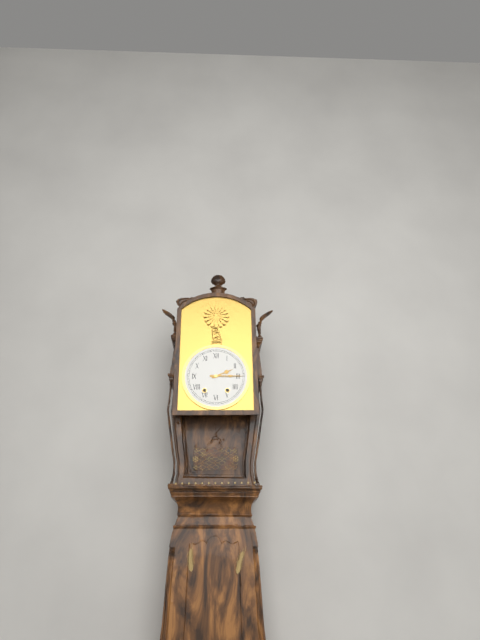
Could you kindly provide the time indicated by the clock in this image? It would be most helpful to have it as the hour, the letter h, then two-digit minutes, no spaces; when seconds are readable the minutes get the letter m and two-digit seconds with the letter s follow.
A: 2h15
